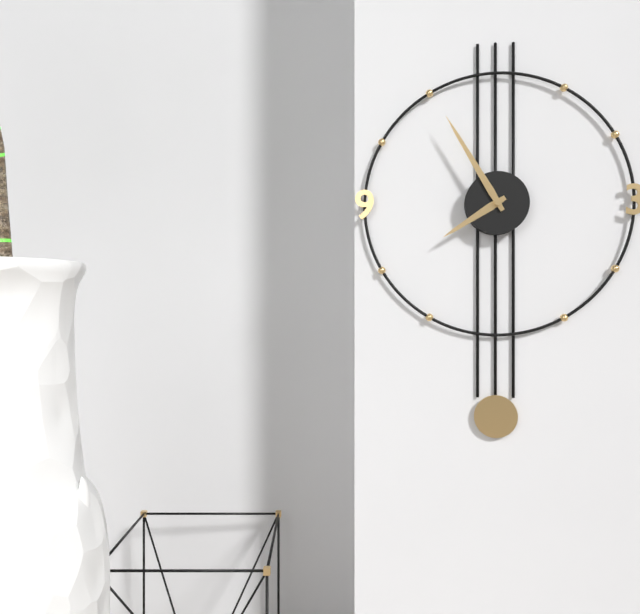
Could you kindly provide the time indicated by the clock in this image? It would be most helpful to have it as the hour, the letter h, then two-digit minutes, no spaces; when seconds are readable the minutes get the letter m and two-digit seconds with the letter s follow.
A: 7h55
